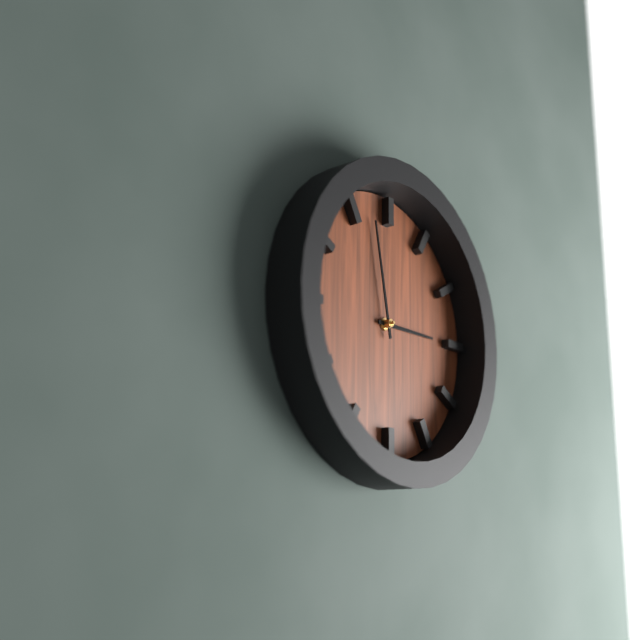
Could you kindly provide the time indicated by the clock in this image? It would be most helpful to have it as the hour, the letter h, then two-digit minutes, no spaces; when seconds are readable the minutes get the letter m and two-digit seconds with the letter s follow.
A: 2h58
